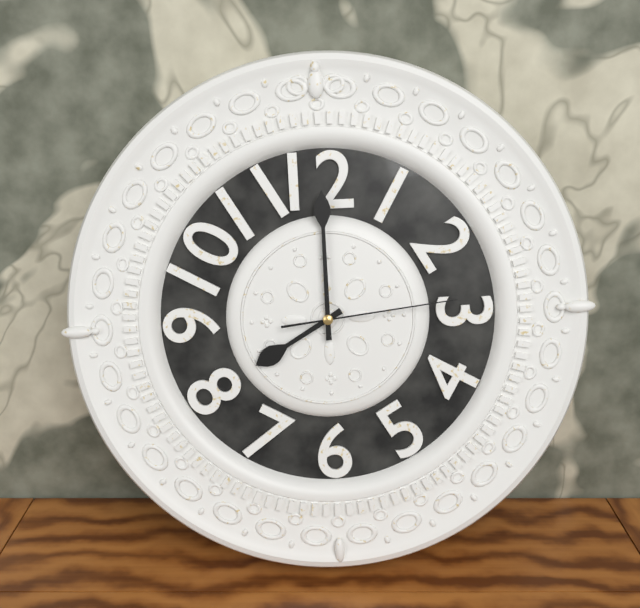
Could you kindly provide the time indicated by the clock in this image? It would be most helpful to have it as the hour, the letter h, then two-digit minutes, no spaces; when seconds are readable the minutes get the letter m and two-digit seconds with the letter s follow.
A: 8h00m14s
